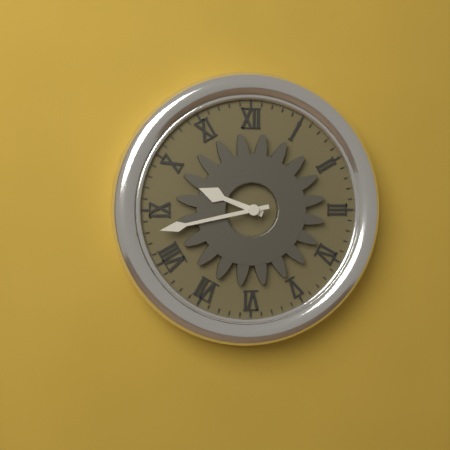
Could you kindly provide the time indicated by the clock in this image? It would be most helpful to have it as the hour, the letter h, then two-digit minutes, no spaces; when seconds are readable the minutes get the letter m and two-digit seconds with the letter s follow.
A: 9h43
